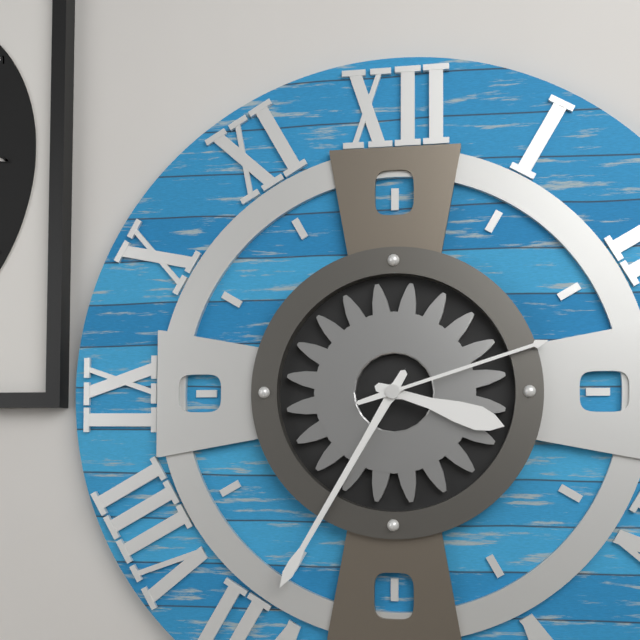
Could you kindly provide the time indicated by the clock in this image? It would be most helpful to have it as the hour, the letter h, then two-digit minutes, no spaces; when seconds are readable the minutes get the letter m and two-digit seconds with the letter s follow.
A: 3h35m12s
